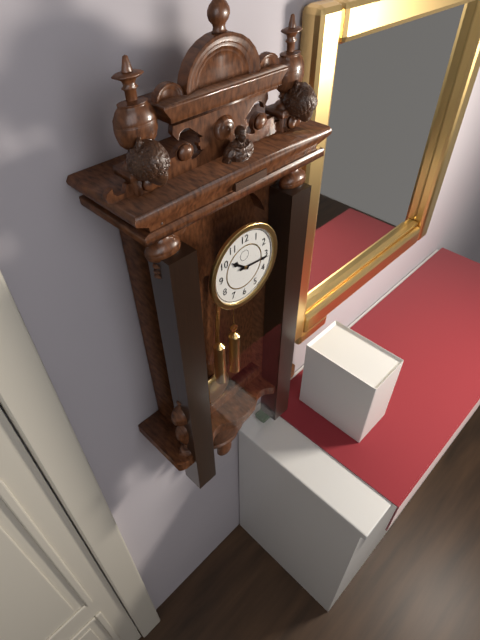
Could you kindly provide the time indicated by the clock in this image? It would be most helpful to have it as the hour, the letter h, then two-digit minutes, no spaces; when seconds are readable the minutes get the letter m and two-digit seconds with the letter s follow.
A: 10h16
